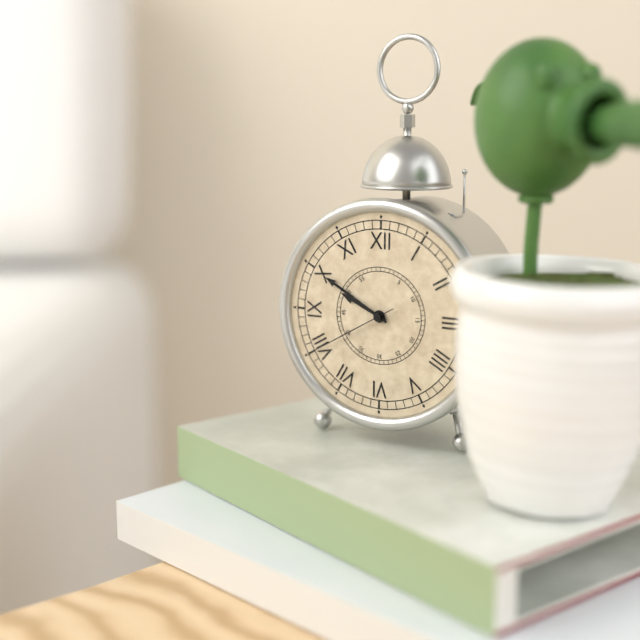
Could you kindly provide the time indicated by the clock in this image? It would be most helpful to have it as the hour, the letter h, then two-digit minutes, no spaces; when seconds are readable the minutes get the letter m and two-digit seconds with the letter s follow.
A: 9h50m40s
